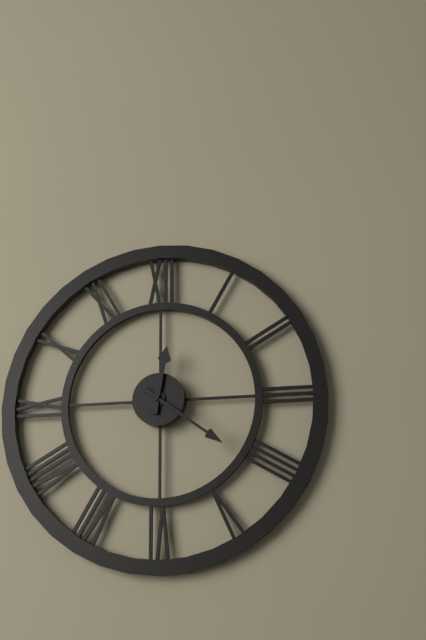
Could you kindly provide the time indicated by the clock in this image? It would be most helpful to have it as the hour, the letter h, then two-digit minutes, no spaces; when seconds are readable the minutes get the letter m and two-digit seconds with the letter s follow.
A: 12h21
